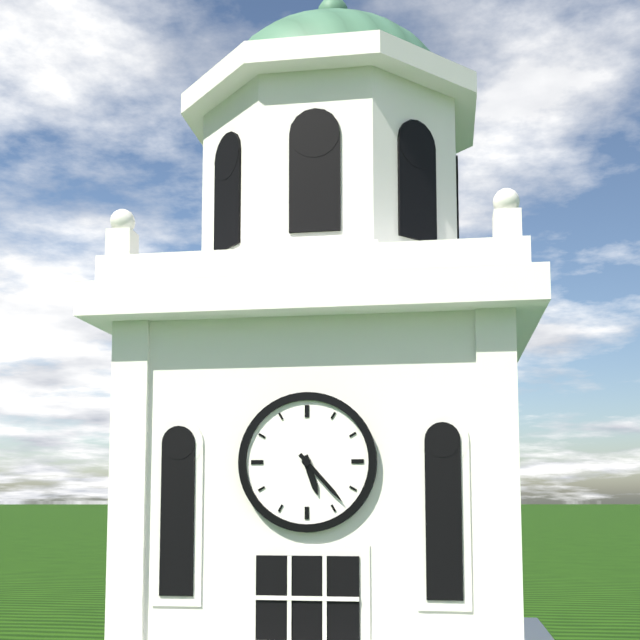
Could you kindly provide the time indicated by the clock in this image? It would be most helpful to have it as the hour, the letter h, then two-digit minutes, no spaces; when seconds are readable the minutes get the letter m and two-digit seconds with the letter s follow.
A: 5h23
